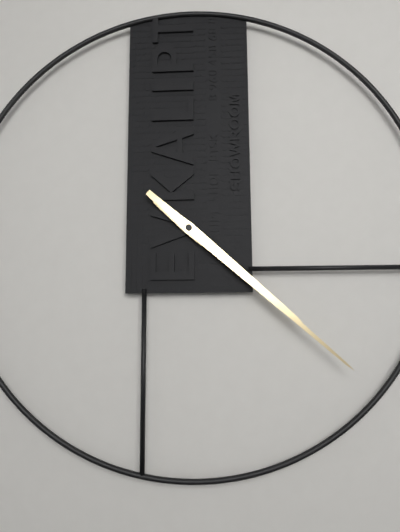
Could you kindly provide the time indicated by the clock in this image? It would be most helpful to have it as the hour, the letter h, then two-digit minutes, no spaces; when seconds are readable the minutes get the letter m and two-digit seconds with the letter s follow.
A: 4h22
